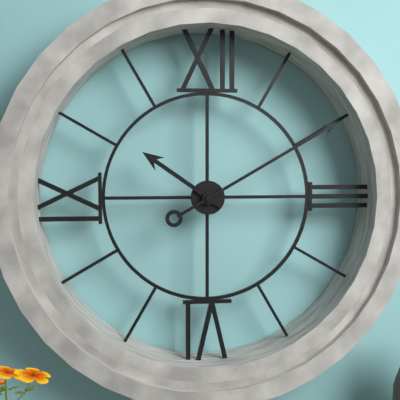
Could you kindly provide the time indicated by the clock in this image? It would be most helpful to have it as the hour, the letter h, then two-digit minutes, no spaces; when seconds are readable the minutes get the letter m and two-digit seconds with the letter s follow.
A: 10h10
